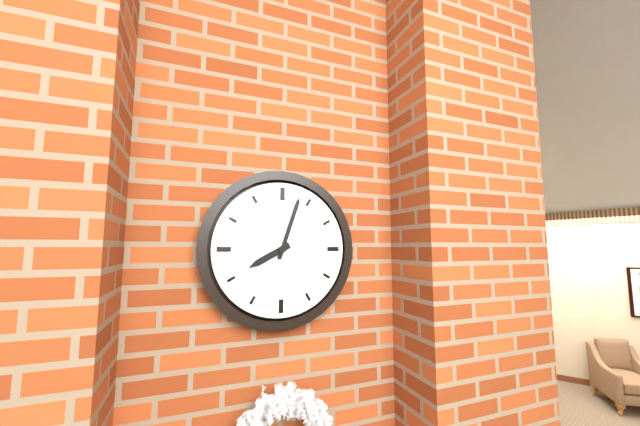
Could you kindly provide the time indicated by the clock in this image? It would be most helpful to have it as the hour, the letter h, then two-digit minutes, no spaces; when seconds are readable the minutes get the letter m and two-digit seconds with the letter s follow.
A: 8h03
